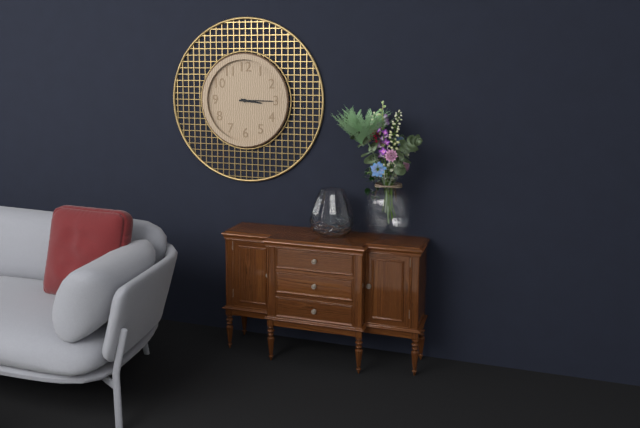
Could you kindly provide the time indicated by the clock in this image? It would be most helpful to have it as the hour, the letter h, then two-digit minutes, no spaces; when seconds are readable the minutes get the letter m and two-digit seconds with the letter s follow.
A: 3h15
